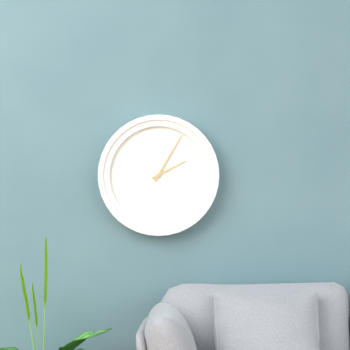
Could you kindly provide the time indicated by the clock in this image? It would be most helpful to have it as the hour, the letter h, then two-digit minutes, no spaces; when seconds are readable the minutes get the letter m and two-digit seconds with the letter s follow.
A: 2h05
